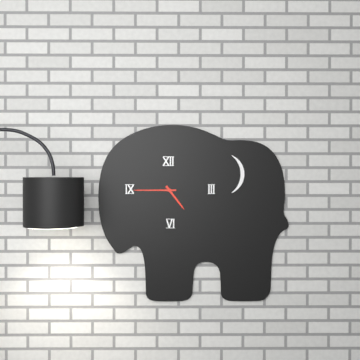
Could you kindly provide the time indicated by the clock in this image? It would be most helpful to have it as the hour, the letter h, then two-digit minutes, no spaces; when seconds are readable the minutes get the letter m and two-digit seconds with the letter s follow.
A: 4h45
